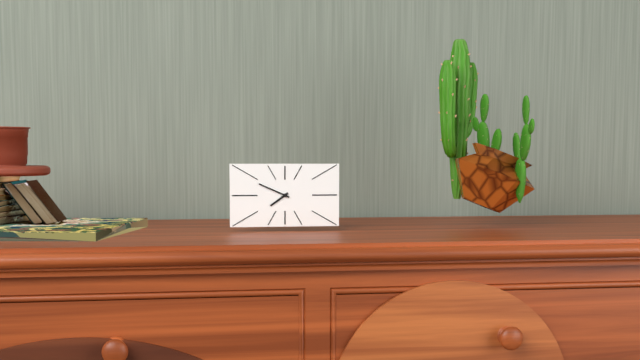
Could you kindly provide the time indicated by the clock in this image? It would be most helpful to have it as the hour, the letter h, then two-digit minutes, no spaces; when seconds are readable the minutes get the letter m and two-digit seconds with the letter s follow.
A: 7h49
